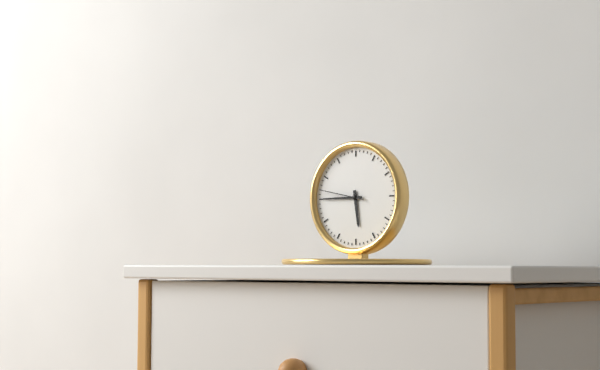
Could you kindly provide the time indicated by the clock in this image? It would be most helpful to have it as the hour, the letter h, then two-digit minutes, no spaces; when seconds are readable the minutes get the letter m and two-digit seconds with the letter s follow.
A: 5h45
